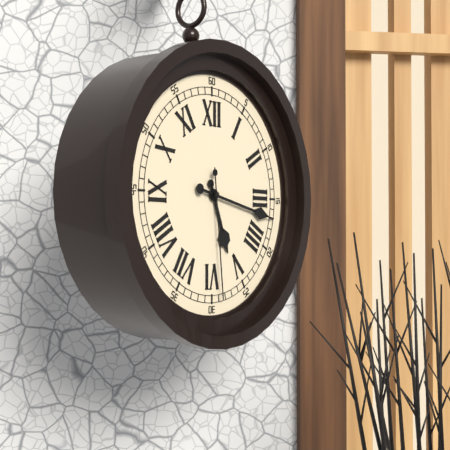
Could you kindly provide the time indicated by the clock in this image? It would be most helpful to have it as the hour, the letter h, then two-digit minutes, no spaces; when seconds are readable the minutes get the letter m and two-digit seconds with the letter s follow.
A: 5h17m29s
